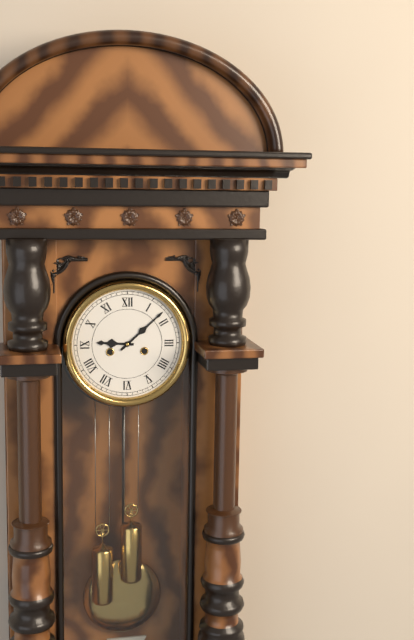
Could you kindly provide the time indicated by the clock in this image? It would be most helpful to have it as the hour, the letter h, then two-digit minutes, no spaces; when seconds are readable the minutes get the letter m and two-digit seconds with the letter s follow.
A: 9h08
